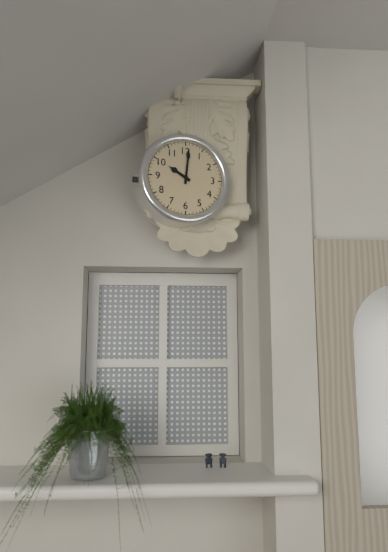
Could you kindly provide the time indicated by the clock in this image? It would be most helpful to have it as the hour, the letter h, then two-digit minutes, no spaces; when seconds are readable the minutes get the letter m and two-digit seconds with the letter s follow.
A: 10h01
